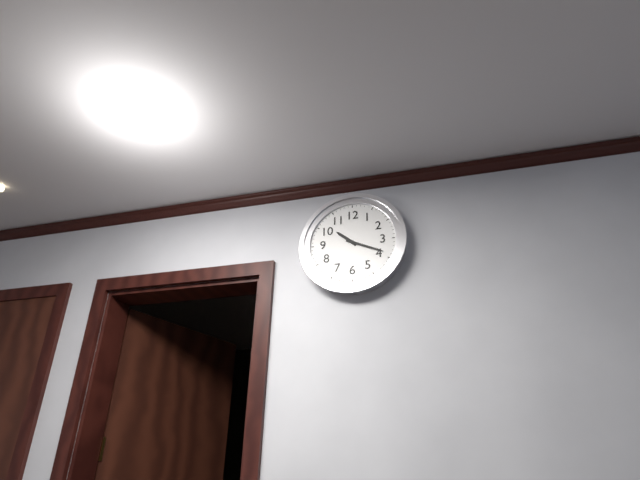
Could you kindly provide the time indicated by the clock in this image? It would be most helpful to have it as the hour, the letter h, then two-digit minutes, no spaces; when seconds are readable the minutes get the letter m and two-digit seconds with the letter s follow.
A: 10h19
